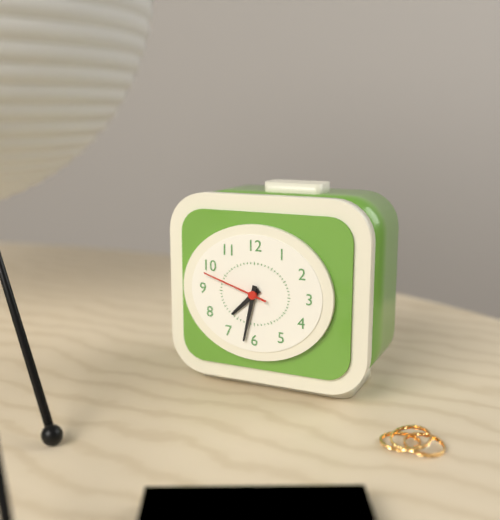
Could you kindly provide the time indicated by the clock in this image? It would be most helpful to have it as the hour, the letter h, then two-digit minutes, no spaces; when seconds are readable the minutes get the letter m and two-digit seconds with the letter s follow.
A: 7h32m48s
